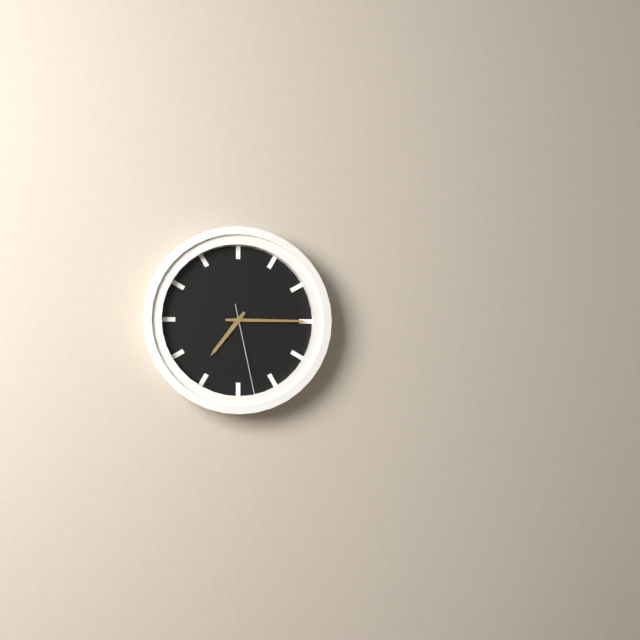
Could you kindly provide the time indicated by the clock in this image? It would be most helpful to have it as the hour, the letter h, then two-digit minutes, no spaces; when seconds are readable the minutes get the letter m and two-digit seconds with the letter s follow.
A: 7h15m28s
